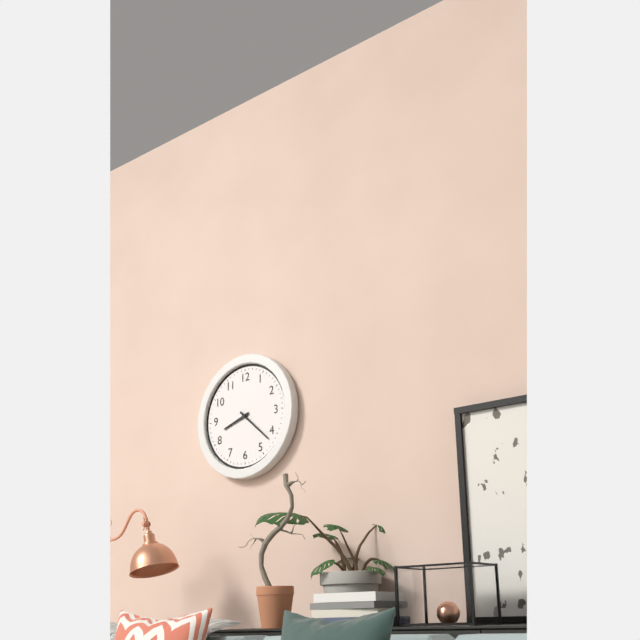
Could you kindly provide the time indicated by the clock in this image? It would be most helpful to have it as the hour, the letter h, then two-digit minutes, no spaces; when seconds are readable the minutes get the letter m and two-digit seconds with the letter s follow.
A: 8h22
